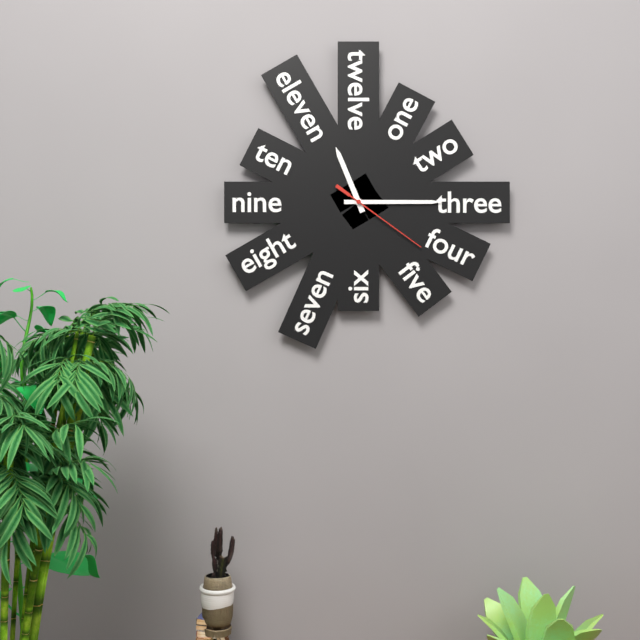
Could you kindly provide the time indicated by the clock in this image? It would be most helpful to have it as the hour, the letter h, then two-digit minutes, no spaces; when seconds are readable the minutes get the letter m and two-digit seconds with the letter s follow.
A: 11h15m21s
